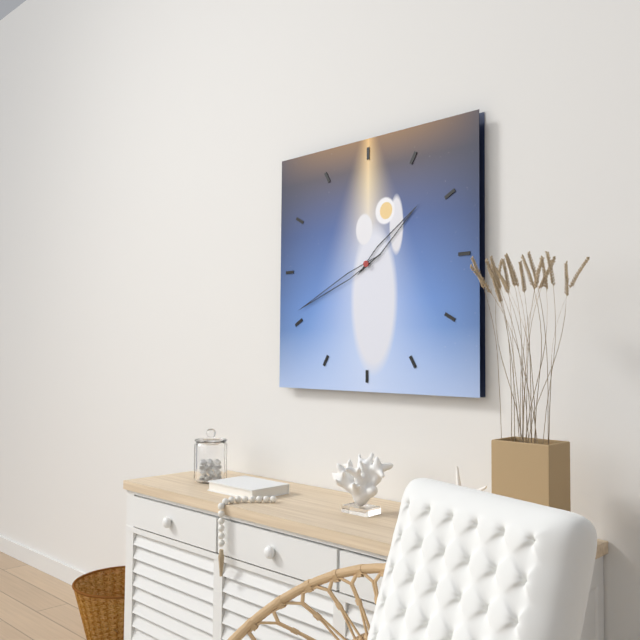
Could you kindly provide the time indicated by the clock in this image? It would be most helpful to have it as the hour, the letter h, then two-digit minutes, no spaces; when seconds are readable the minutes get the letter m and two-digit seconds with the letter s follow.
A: 1h41
